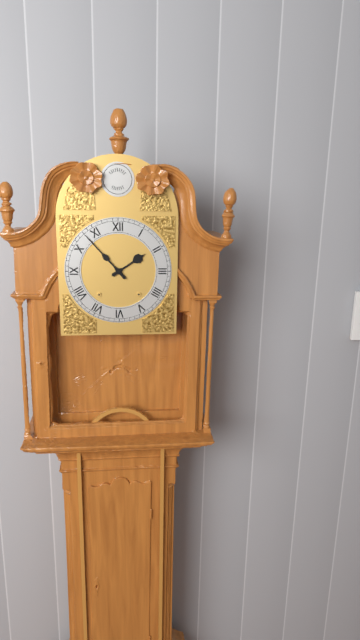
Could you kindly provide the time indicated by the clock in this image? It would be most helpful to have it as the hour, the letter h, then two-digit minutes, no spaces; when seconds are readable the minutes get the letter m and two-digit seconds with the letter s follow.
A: 1h53
